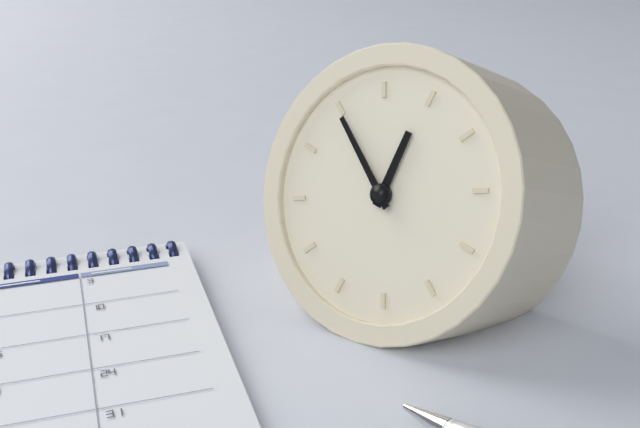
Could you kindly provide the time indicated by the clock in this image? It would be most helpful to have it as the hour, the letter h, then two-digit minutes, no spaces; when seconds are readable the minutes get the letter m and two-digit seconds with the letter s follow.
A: 12h55
